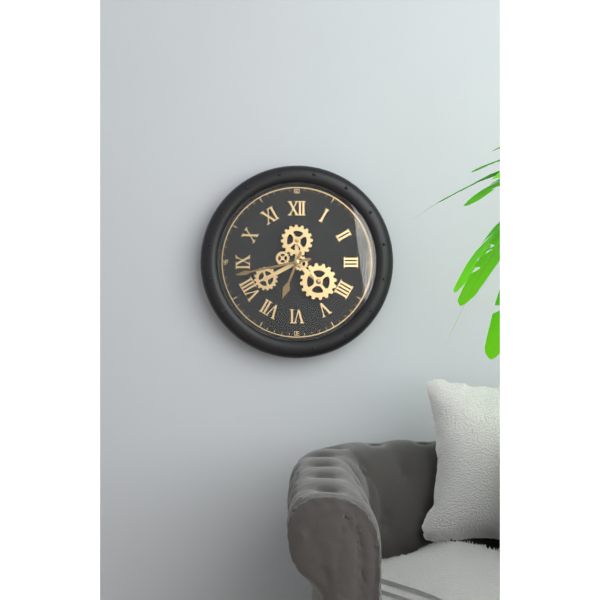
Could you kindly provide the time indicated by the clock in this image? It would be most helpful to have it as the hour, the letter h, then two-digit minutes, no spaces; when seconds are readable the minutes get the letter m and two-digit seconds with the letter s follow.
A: 6h43
